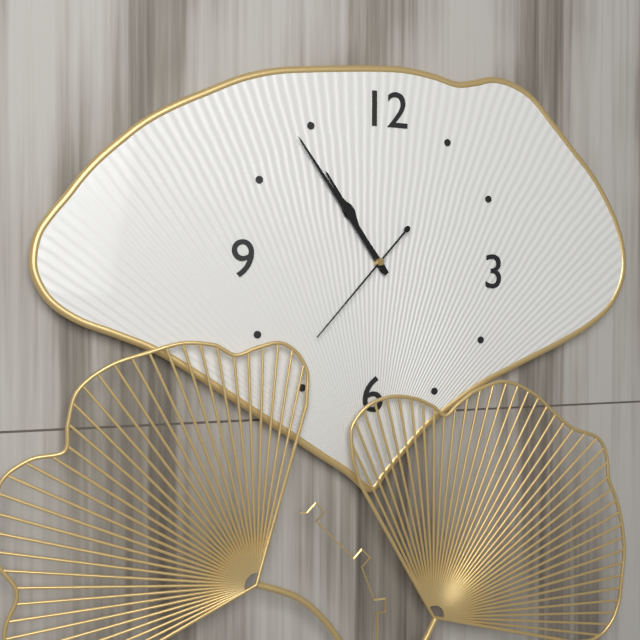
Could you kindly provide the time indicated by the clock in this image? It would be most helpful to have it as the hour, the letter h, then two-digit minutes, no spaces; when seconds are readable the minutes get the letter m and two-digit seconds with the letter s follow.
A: 10h54m37s
